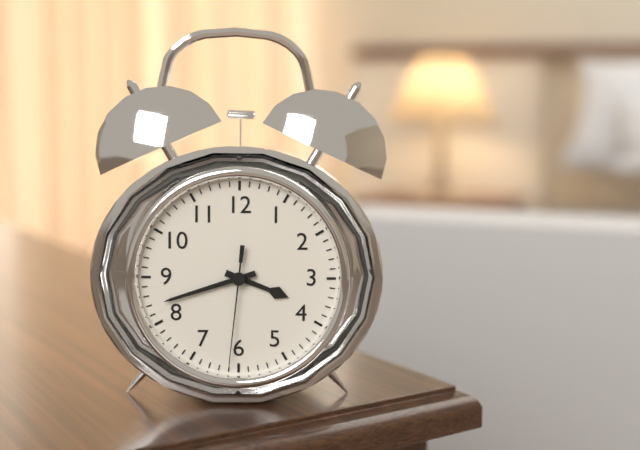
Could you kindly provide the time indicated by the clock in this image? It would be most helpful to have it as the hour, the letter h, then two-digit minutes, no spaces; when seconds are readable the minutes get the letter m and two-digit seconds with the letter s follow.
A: 3h42m31s
